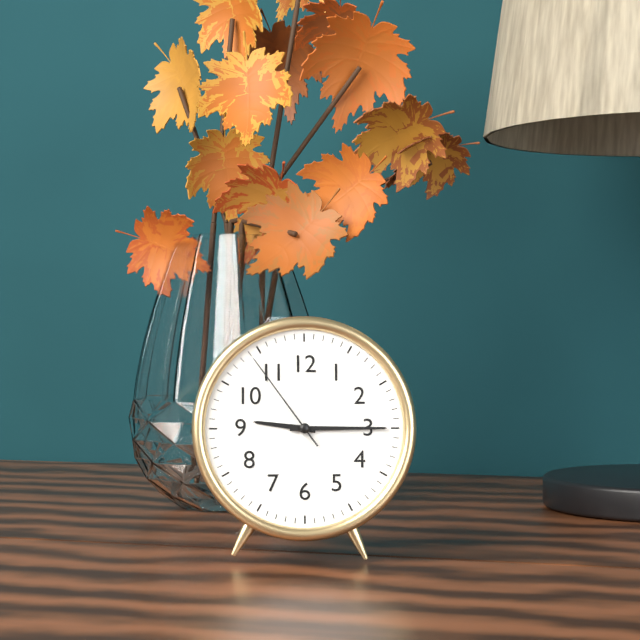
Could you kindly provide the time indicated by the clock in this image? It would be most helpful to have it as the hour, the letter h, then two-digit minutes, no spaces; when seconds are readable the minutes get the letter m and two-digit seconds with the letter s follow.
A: 9h15m54s
